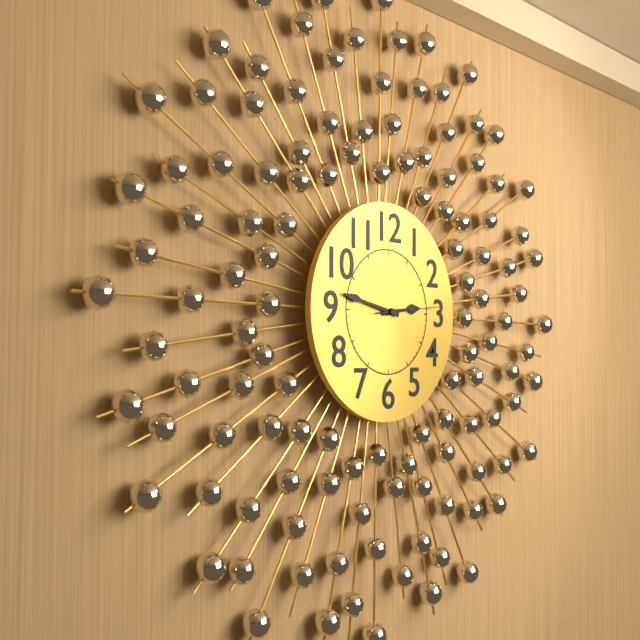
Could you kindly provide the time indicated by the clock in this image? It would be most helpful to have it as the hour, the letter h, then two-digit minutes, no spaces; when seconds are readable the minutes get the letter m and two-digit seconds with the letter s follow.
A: 2h47m14s
